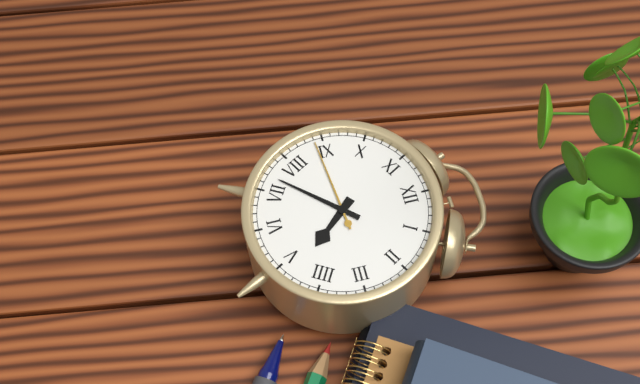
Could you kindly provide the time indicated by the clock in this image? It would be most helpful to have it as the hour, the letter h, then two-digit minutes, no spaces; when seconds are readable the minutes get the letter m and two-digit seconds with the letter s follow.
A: 4h37m44s
